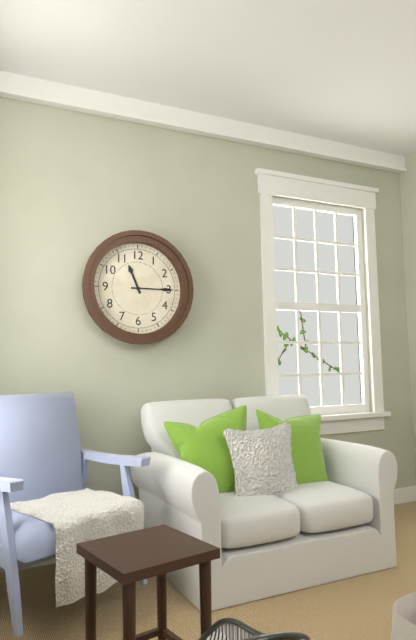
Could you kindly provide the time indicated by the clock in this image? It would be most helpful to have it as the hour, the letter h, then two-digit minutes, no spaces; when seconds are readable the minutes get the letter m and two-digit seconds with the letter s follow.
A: 11h15
